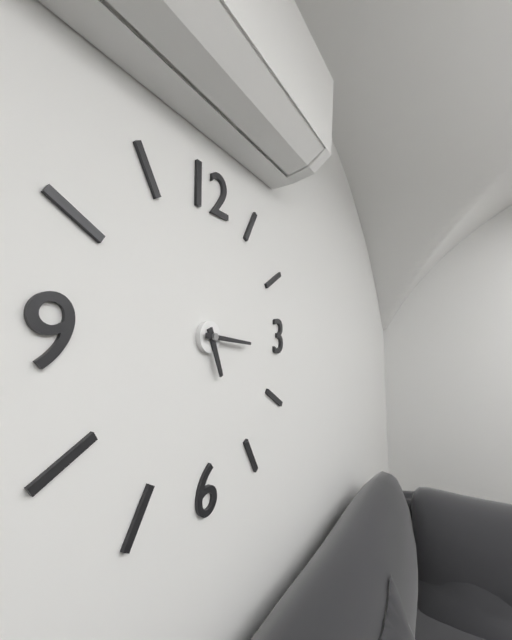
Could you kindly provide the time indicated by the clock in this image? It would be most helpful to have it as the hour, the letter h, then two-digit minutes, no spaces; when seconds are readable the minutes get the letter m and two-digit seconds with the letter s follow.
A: 5h16
